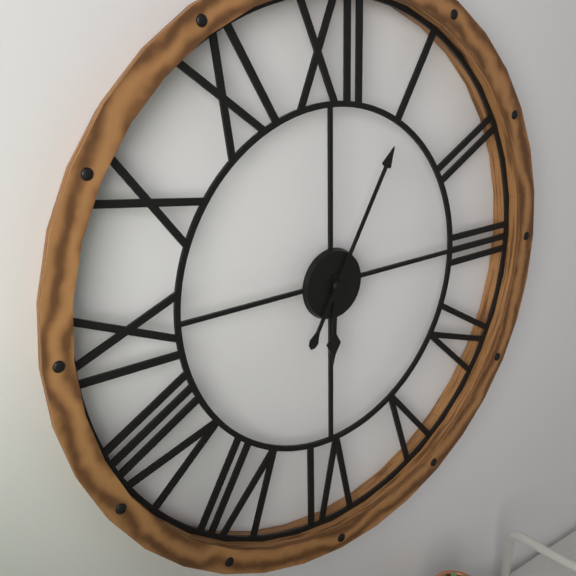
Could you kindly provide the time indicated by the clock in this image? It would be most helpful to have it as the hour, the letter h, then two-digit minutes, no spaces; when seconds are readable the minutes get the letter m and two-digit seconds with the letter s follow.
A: 6h05
